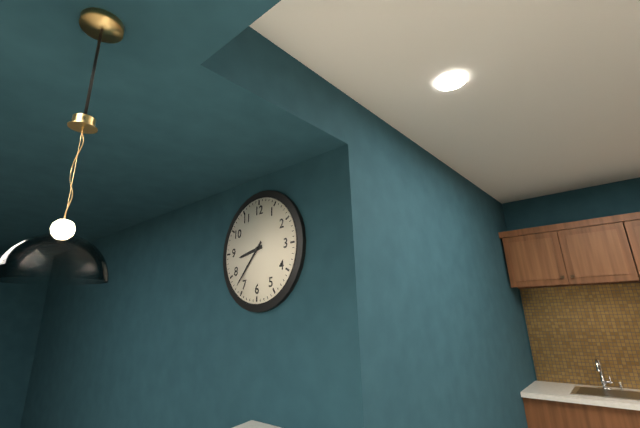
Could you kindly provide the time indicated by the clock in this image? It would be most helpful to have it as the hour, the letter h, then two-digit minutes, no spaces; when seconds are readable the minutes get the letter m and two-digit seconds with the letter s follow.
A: 8h37
